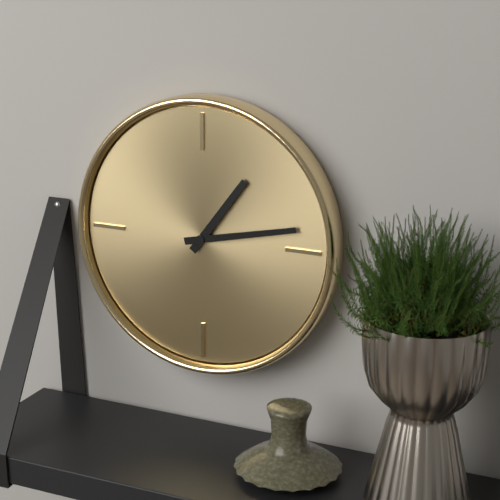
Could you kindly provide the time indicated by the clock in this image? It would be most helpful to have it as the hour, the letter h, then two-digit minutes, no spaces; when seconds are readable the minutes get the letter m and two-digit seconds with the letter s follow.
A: 1h13
